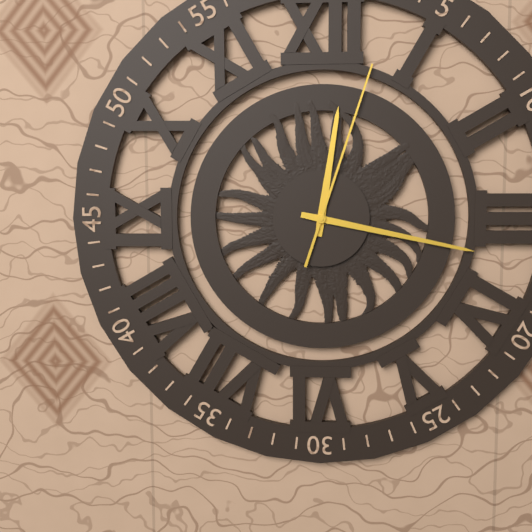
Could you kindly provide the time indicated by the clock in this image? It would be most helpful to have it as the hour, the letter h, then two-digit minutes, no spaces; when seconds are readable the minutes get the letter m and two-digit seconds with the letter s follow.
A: 12h17m03s
